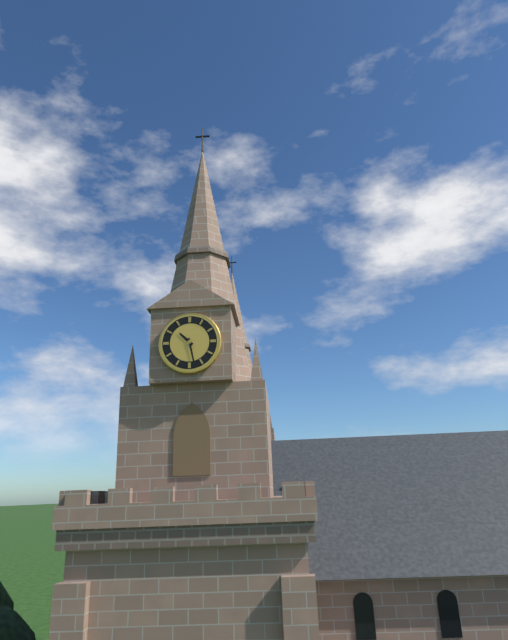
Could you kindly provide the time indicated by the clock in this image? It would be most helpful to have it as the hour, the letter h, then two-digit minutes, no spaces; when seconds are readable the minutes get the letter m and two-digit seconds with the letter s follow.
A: 10h28
